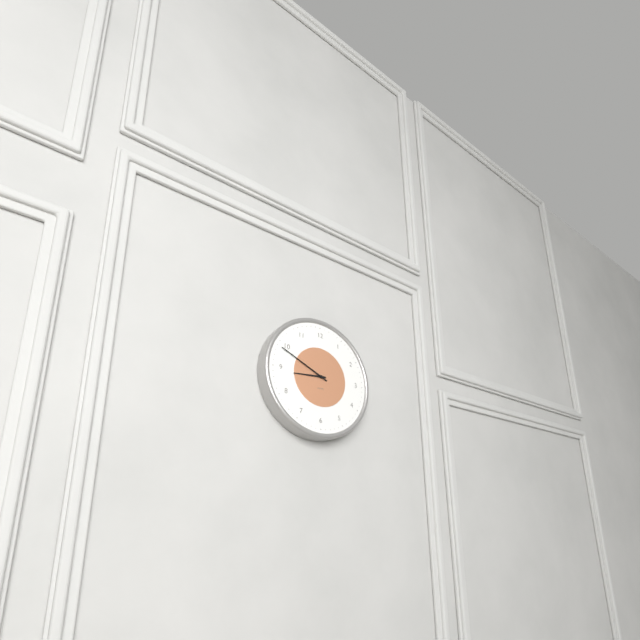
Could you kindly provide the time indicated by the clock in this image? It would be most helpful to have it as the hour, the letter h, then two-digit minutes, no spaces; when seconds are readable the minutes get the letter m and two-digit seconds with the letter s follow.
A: 8h49
